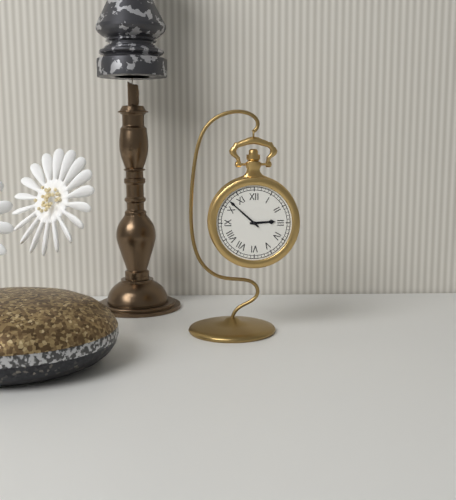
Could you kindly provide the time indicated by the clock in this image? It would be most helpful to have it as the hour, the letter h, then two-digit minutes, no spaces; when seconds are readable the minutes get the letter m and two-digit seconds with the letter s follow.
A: 2h52
